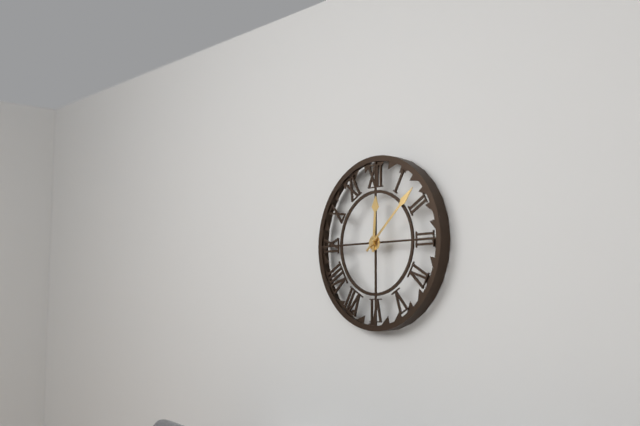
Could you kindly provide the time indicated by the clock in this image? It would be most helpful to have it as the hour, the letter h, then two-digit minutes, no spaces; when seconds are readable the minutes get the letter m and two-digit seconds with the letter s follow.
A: 12h08
